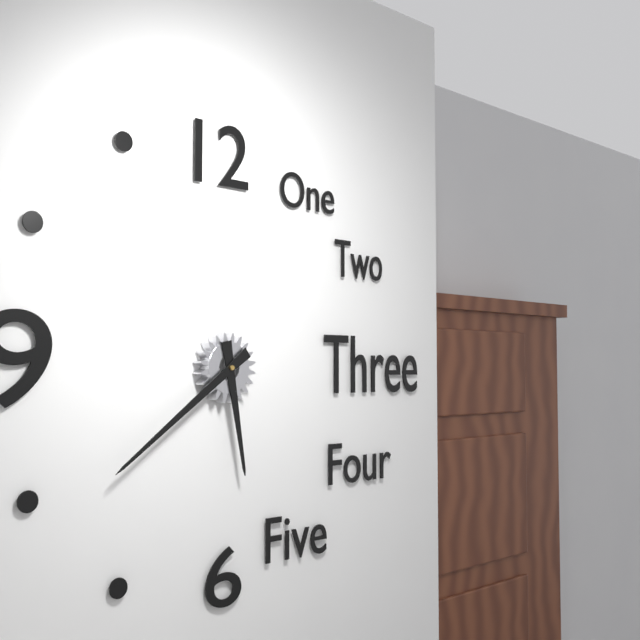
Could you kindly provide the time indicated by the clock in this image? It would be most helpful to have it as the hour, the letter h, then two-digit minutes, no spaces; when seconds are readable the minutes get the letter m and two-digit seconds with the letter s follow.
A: 5h39
